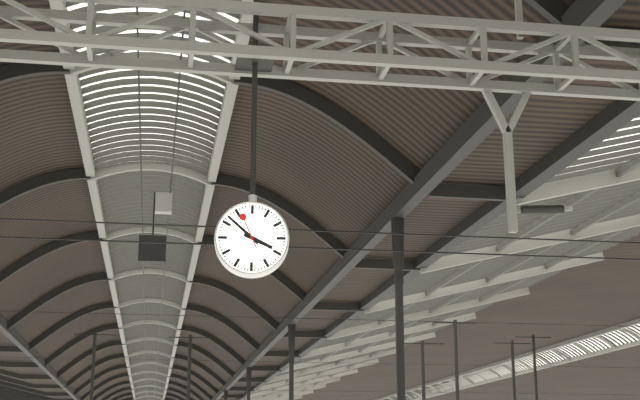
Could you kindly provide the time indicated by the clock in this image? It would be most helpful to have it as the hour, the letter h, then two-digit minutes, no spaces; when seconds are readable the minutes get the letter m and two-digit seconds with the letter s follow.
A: 3h52
